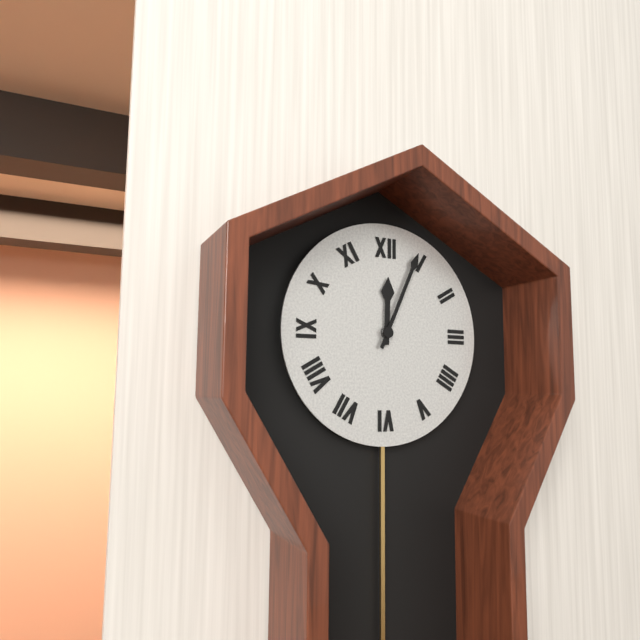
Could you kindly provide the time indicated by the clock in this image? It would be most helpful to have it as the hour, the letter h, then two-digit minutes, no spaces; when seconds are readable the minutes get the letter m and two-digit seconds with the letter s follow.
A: 12h04
